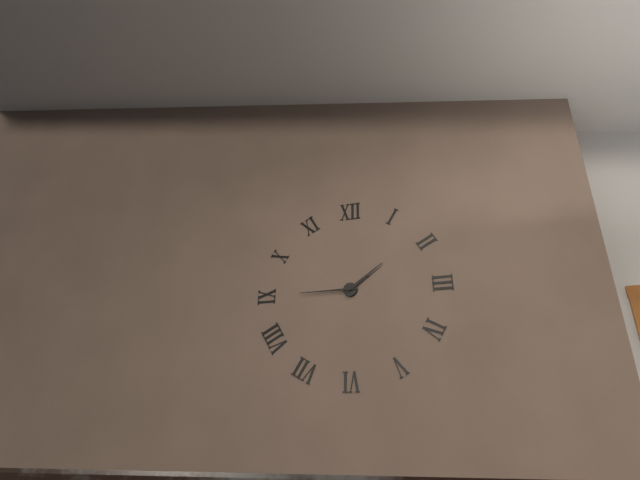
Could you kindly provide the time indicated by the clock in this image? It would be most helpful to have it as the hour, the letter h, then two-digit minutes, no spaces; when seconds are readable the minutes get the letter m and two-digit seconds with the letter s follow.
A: 1h45
